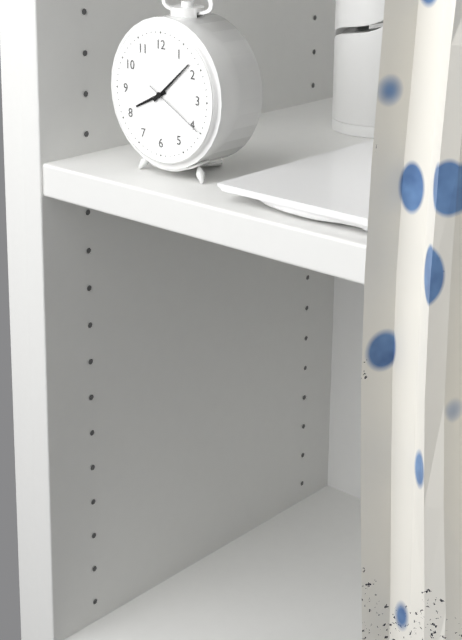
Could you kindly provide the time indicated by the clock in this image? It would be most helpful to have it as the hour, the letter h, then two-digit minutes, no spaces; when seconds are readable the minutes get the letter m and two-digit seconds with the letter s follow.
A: 8h08m20s
